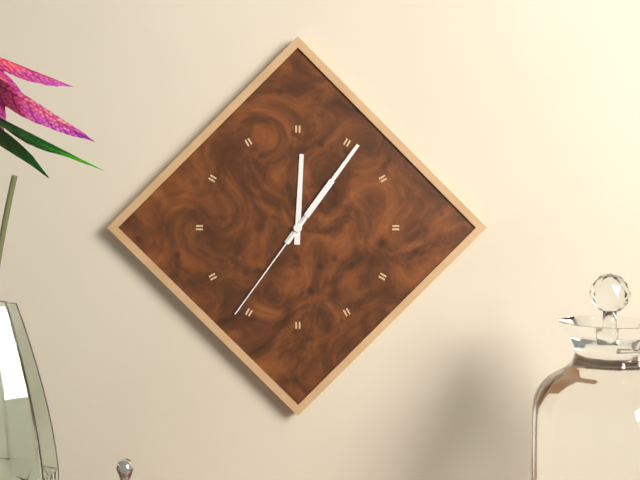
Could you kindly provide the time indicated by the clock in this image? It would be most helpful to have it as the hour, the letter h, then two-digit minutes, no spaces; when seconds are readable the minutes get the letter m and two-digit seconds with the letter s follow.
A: 12h06m36s
